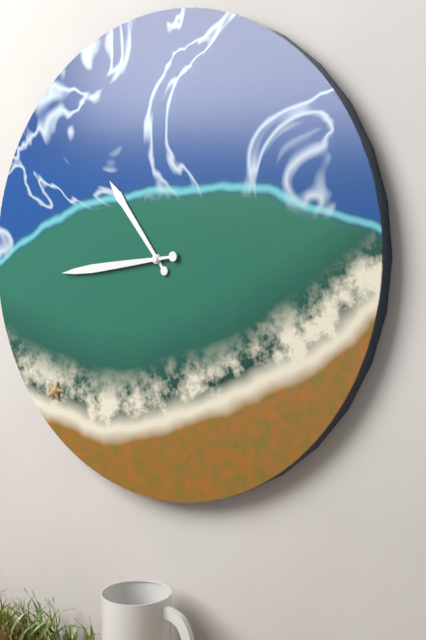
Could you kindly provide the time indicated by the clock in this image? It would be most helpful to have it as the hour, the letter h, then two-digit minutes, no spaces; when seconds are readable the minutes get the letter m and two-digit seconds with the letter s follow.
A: 10h44
